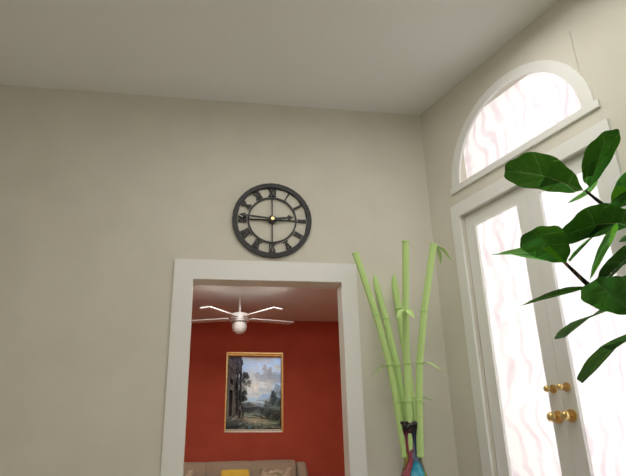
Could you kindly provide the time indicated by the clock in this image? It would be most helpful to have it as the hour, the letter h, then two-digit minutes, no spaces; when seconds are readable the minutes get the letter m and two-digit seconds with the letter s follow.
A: 2h46
